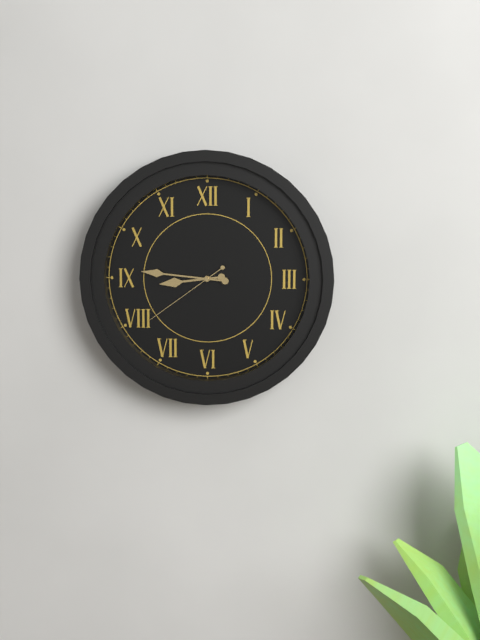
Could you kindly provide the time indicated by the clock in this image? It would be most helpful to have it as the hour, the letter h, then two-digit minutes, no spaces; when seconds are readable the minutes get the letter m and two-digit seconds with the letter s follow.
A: 8h46m39s
